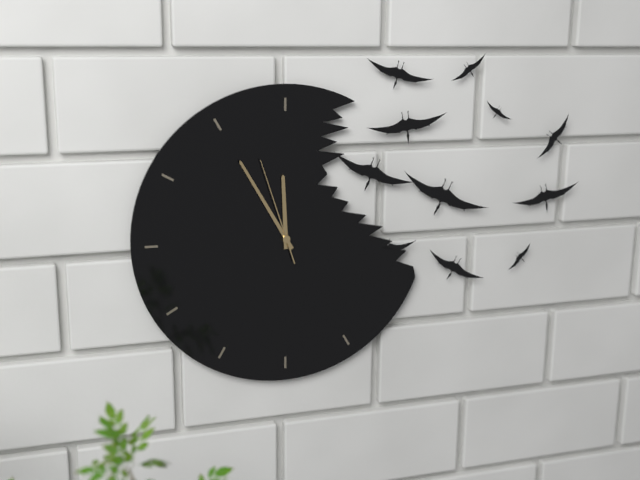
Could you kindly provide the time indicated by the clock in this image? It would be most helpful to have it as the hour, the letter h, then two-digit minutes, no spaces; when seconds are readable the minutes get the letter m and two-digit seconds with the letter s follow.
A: 11h55m57s
